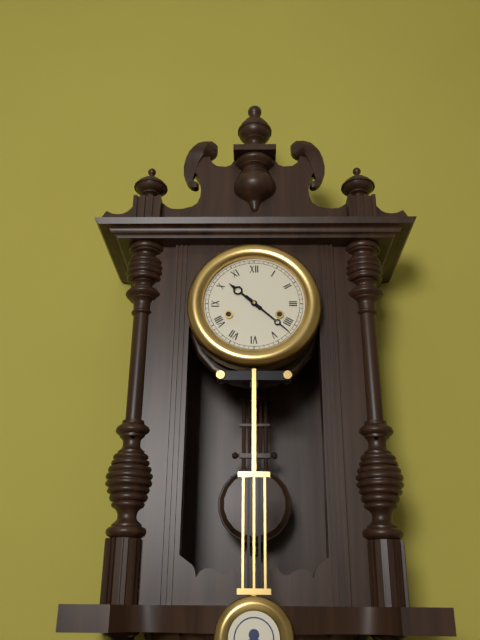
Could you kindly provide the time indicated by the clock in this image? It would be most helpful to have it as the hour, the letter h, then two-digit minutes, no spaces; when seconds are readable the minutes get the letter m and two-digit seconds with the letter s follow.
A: 10h22
